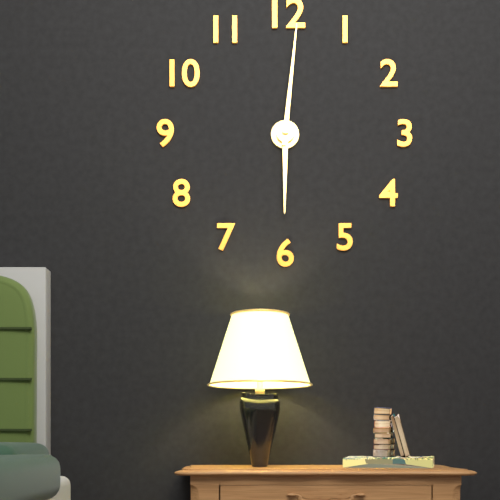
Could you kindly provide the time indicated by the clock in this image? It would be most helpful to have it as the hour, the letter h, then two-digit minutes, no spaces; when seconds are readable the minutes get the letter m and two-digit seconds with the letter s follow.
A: 6h01
